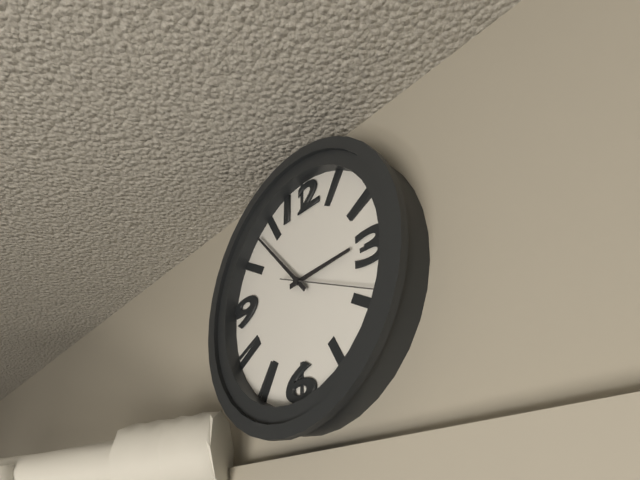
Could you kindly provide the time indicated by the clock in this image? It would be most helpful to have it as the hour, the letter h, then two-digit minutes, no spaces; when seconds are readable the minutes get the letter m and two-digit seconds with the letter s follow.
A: 2h53m19s
